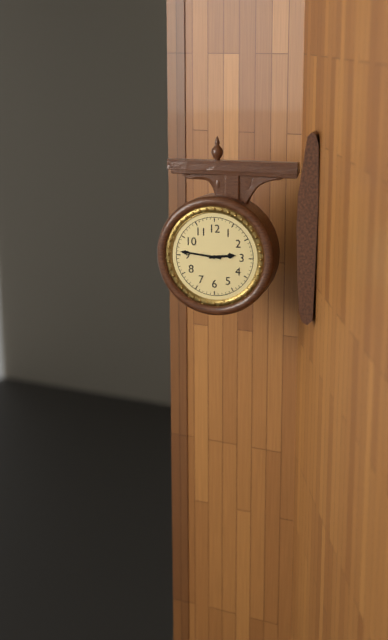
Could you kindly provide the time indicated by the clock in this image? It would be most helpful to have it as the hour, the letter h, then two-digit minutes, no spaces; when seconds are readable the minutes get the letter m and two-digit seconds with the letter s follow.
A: 2h46
